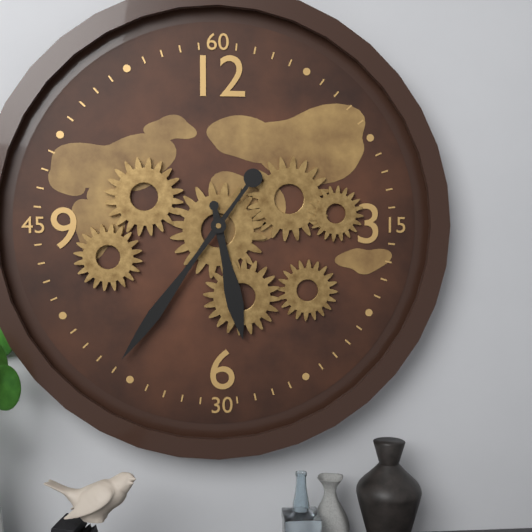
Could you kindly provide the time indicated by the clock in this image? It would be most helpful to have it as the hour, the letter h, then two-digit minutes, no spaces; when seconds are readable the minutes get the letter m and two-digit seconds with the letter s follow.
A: 5h36
